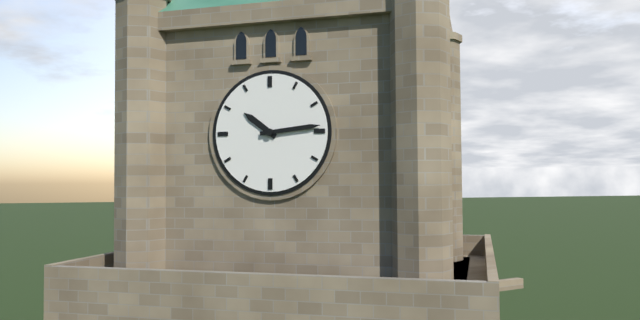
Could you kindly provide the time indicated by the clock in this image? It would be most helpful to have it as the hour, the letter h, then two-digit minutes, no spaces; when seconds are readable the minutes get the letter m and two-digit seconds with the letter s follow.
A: 10h14
